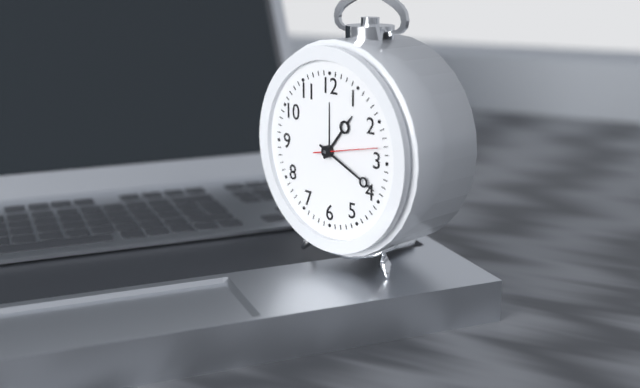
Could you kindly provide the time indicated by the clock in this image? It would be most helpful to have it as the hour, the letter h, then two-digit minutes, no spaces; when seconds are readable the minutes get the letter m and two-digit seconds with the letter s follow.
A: 1h19m13s
